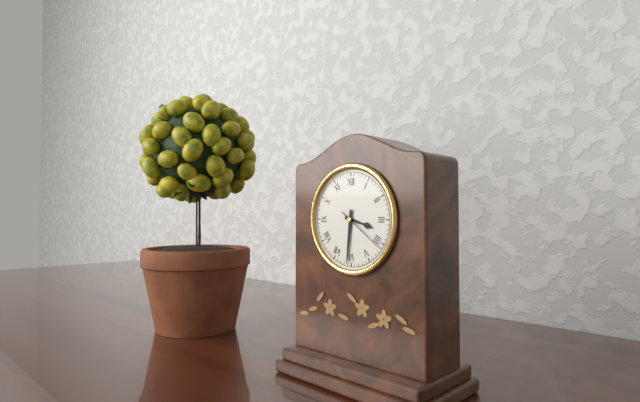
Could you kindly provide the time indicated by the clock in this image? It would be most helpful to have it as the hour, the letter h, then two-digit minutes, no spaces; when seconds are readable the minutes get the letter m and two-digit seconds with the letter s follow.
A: 3h31m21s
